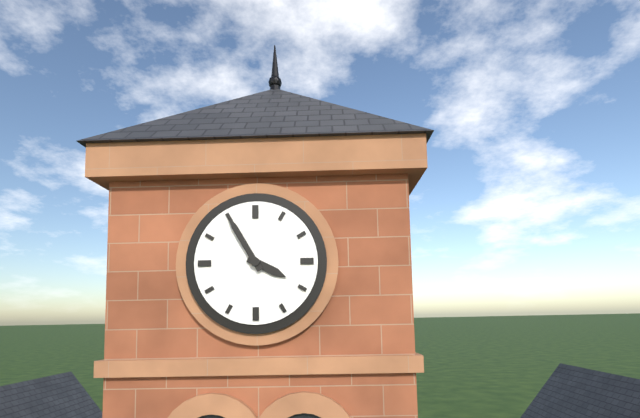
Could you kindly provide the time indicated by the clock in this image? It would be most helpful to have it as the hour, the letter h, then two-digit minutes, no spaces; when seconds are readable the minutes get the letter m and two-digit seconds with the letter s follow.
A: 3h55
